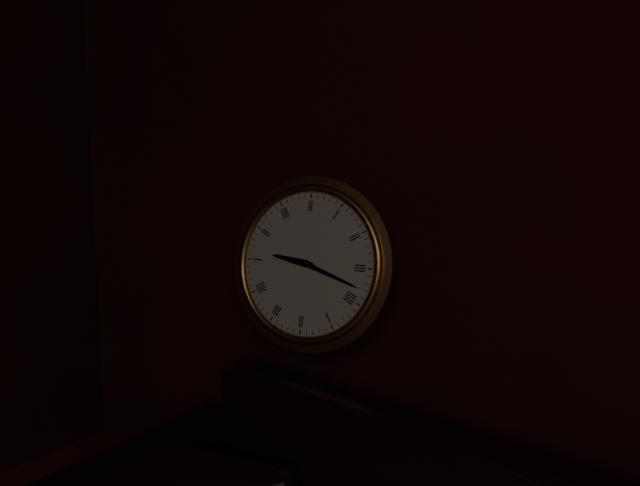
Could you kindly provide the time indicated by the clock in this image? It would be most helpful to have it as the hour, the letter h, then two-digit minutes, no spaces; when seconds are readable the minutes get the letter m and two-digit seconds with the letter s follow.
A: 9h18
